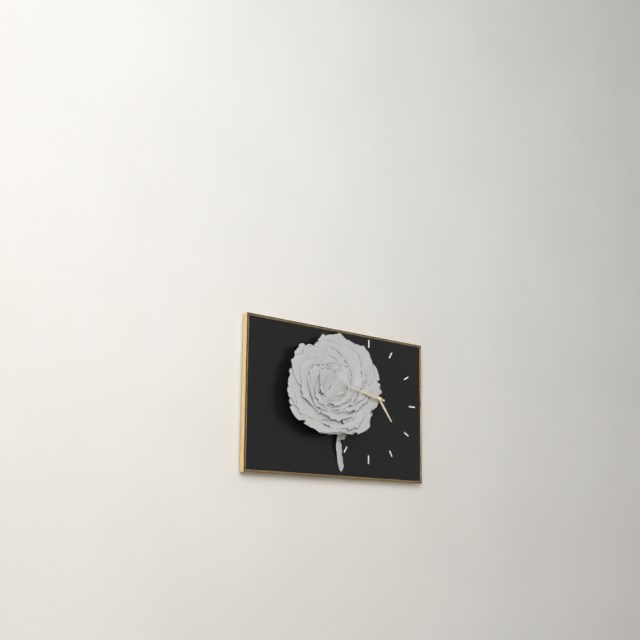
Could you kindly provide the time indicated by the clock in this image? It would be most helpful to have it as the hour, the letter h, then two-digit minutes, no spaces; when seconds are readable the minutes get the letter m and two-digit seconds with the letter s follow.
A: 4h47
